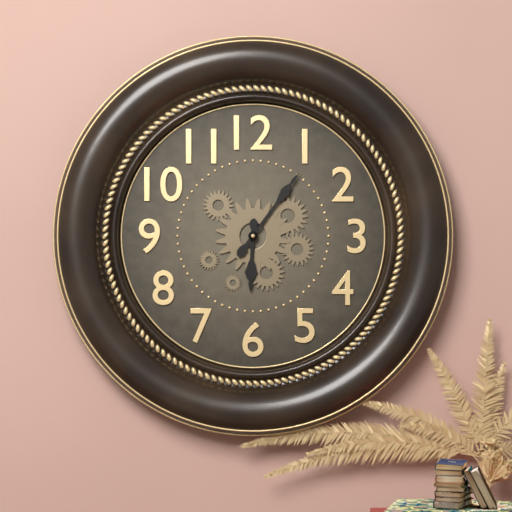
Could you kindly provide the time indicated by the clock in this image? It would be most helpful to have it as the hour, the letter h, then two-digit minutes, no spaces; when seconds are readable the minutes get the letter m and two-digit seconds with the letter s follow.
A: 6h06
